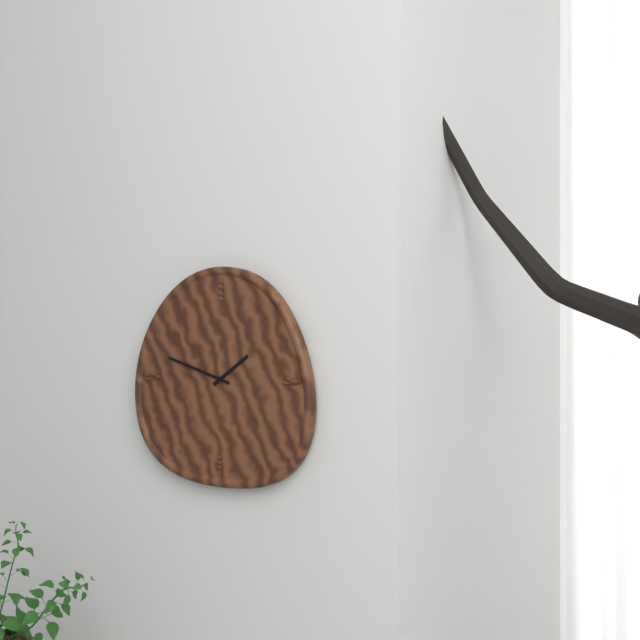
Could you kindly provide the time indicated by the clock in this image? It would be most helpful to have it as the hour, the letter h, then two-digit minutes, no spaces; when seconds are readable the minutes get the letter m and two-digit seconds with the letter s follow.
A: 1h48
